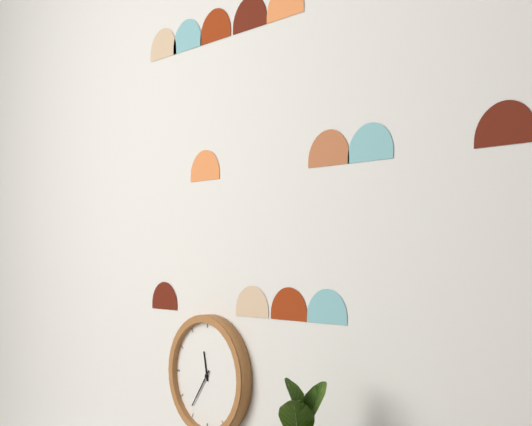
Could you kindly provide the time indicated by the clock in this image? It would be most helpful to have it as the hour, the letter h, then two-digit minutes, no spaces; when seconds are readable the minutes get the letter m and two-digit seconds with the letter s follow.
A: 11h36
